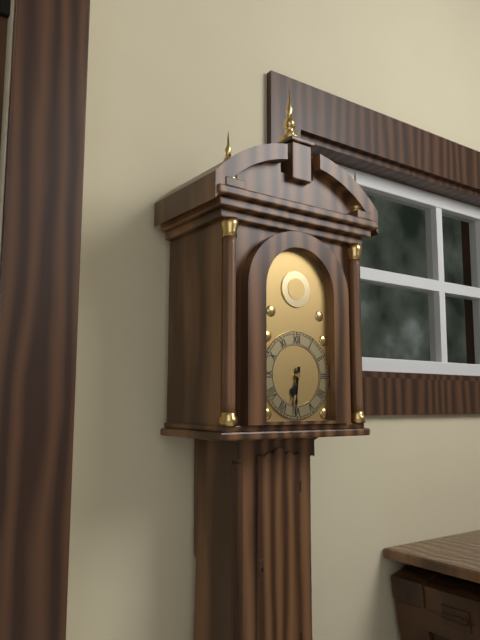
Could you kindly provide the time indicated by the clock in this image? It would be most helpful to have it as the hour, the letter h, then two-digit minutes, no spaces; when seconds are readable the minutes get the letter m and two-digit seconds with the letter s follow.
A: 6h31
